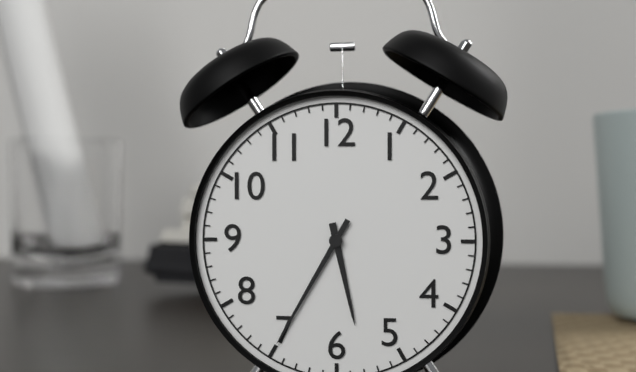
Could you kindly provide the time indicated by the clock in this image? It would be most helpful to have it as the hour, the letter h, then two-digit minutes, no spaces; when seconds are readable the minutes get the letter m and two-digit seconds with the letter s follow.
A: 5h35
